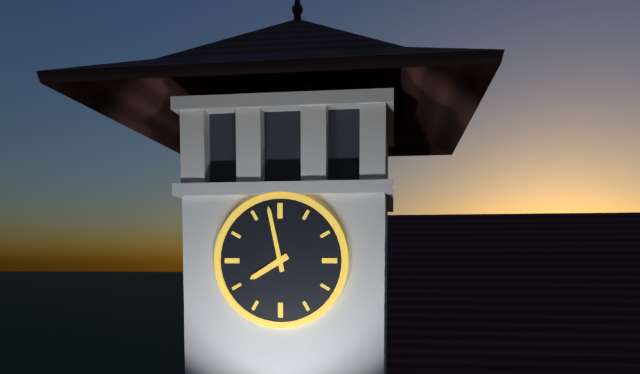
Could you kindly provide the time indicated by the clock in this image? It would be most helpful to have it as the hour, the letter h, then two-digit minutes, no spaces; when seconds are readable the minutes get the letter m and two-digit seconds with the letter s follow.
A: 7h58
